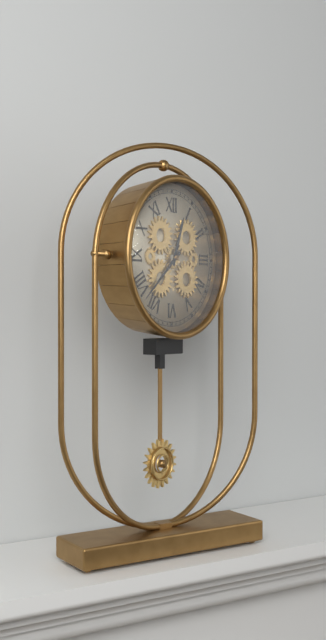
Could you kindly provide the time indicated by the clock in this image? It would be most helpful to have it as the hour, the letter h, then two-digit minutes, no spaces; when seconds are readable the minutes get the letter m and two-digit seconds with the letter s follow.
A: 12h38
